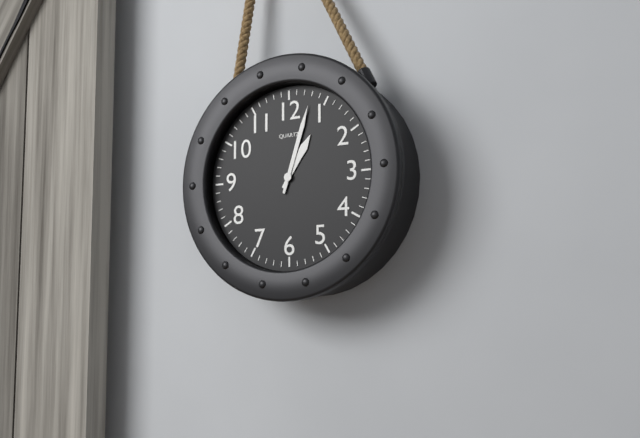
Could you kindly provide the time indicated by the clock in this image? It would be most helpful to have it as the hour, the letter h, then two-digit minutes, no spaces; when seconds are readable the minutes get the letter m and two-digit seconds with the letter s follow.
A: 1h03
